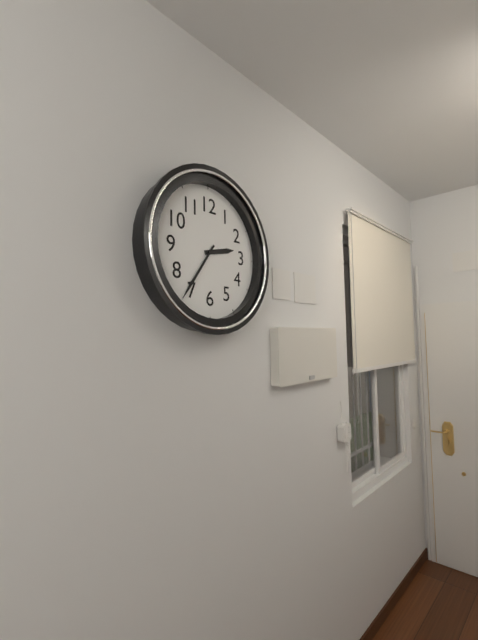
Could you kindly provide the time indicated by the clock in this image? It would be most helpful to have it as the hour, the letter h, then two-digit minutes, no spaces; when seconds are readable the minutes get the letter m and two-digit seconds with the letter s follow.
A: 2h36
